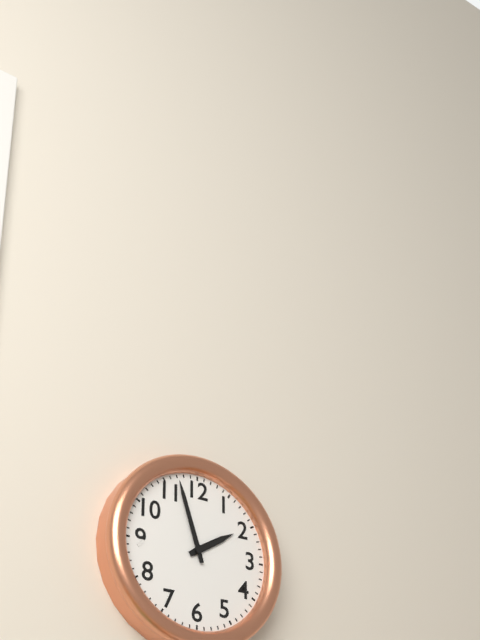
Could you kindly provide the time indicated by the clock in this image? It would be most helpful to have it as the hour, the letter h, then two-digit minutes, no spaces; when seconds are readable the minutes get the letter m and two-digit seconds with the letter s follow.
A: 1h57
